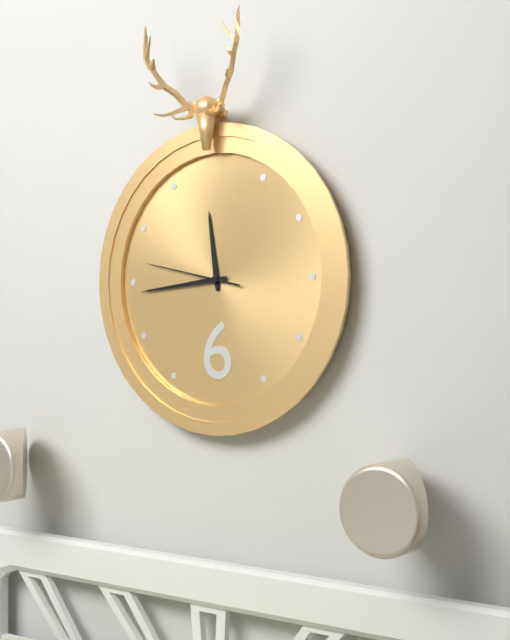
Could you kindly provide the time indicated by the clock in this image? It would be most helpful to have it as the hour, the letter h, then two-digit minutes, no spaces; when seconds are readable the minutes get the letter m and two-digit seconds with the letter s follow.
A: 11h44m47s
